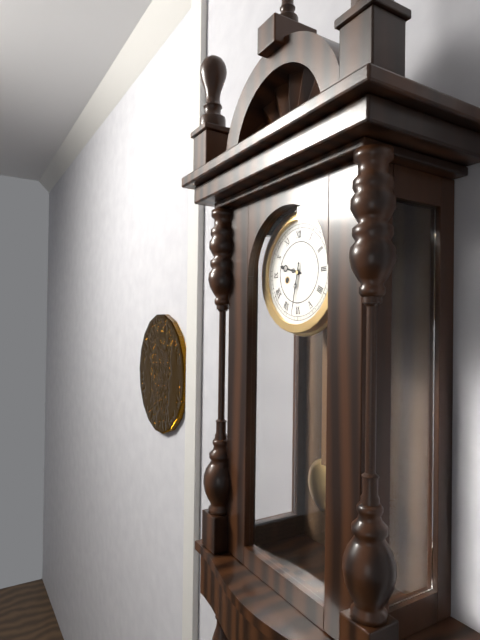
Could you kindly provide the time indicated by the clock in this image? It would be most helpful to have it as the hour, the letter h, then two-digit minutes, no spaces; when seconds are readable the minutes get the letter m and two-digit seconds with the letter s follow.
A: 9h32
